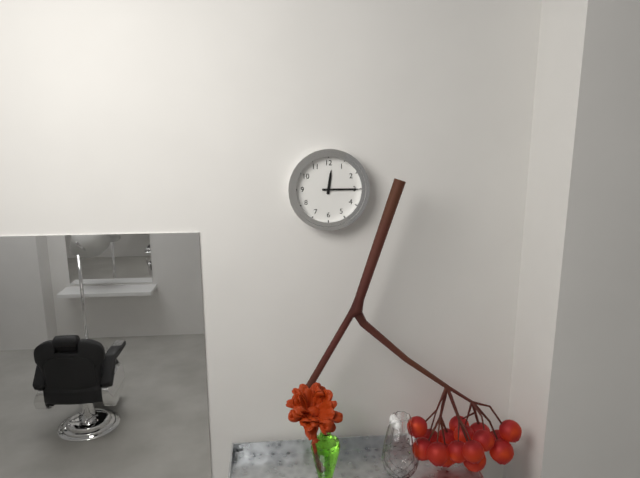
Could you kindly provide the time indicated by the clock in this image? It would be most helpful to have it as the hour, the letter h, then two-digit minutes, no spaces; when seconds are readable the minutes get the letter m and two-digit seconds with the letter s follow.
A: 12h15
